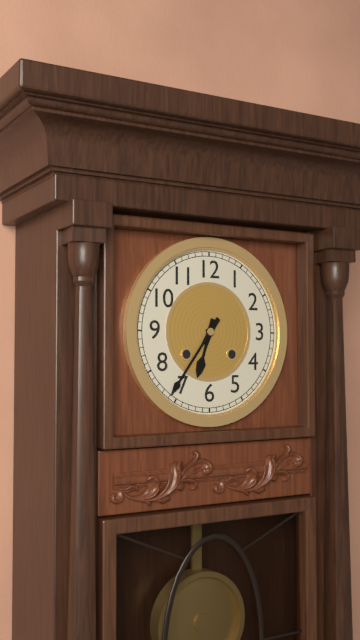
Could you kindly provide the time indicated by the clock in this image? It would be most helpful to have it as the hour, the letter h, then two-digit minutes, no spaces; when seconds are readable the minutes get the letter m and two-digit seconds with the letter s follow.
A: 6h36
